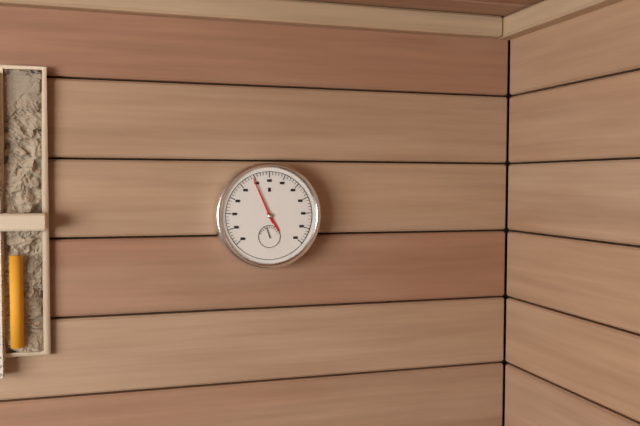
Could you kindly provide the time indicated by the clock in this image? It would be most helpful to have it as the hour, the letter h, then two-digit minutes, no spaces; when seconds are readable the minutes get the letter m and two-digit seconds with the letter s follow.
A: 4h56
